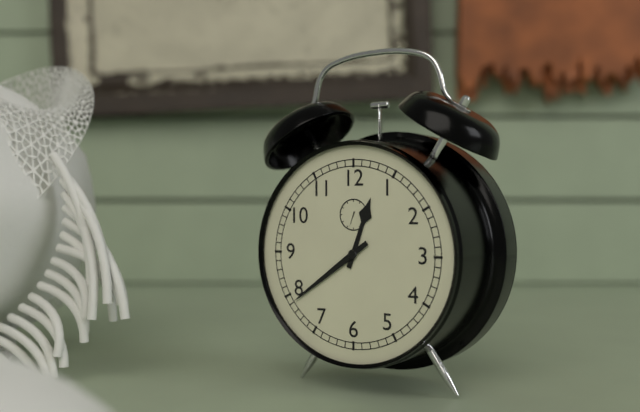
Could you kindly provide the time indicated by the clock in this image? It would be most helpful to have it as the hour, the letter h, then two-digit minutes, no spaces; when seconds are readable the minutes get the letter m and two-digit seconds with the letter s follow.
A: 12h39
